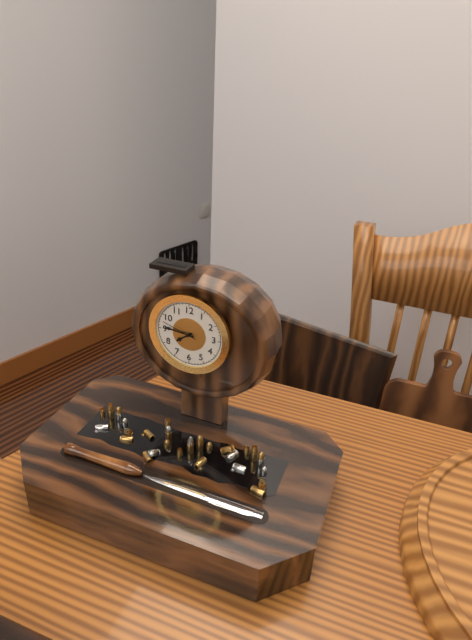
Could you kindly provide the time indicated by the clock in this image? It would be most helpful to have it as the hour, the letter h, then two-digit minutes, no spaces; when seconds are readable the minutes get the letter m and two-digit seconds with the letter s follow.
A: 7h46
